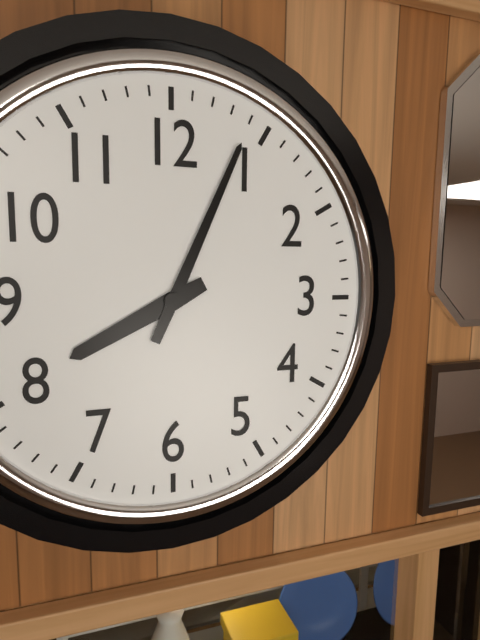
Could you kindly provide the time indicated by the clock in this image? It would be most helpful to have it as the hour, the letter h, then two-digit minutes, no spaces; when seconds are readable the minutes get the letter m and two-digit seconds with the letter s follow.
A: 8h04
